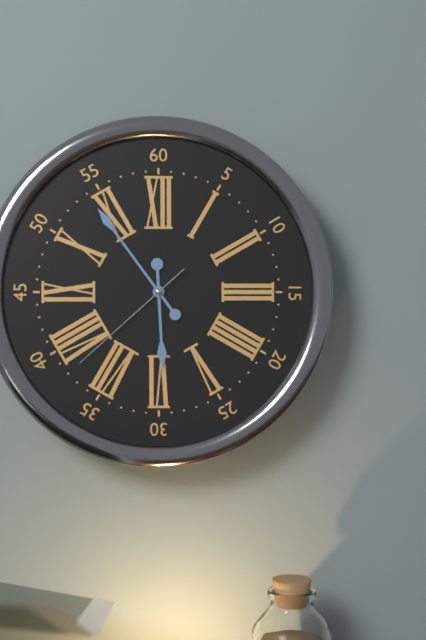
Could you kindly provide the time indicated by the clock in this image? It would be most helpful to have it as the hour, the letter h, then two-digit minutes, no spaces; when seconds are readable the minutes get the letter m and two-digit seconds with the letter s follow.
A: 5h54m38s
